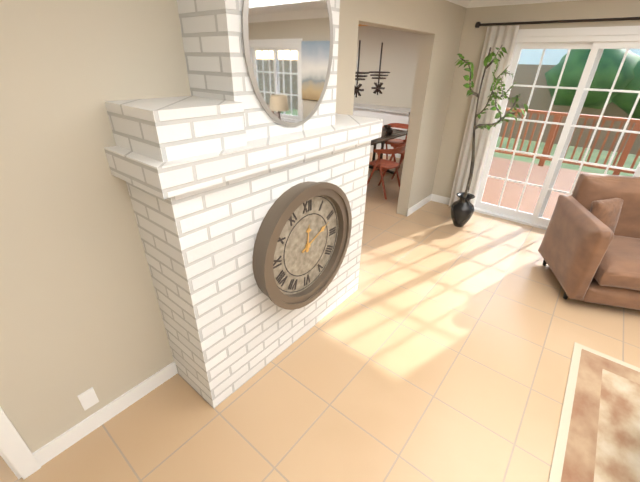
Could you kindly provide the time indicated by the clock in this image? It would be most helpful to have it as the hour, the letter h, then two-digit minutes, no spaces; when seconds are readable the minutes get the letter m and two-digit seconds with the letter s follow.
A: 12h11
